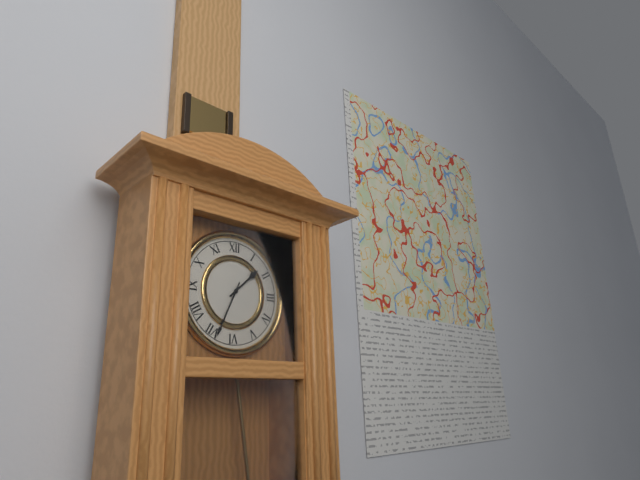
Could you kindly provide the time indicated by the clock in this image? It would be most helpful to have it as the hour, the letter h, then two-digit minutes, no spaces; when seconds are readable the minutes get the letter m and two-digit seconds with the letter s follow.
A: 1h34
